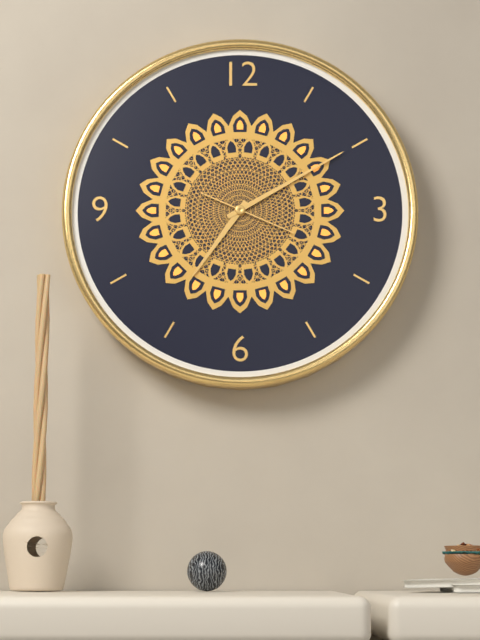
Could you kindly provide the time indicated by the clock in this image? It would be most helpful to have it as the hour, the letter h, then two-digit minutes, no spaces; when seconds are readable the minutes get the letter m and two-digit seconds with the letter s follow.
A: 7h10m19s
